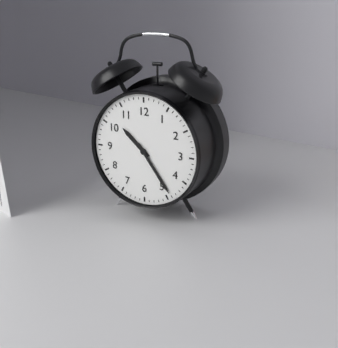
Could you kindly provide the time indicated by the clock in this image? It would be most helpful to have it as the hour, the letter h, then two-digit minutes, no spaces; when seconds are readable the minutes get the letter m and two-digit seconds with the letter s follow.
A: 10h24
